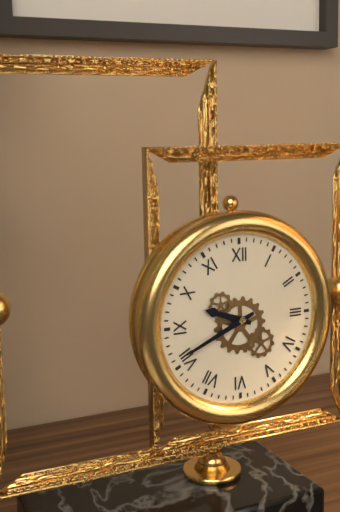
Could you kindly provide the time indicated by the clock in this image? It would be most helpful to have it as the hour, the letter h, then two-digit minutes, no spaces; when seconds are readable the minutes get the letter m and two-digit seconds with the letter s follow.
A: 9h41
